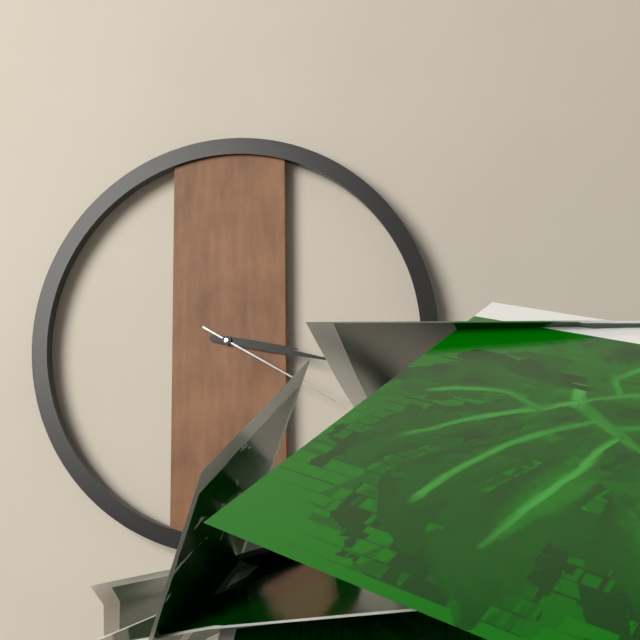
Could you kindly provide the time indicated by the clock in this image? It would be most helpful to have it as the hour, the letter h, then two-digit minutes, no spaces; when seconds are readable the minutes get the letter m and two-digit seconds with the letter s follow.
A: 3h17m20s
